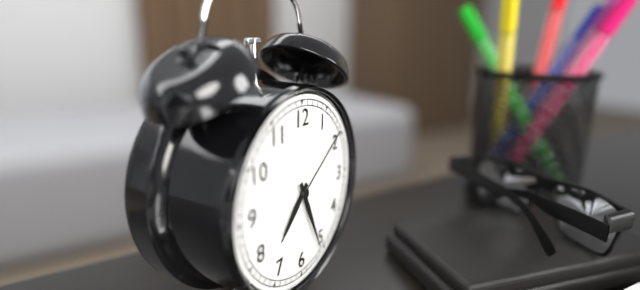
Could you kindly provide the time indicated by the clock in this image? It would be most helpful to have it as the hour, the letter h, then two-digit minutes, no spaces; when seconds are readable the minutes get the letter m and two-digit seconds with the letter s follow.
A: 7h26m09s
